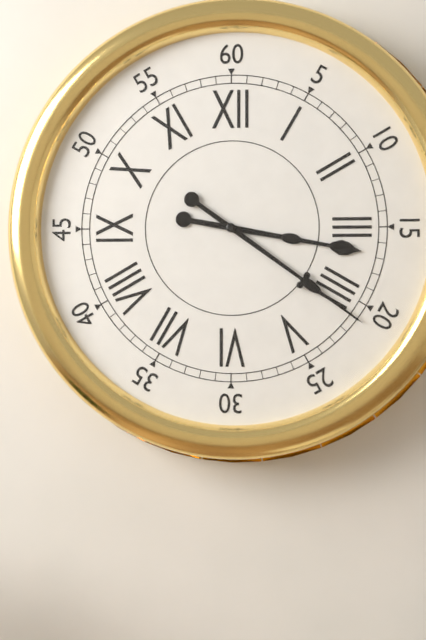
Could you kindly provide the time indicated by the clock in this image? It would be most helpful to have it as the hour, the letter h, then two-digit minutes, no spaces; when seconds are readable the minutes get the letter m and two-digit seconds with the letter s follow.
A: 3h21
